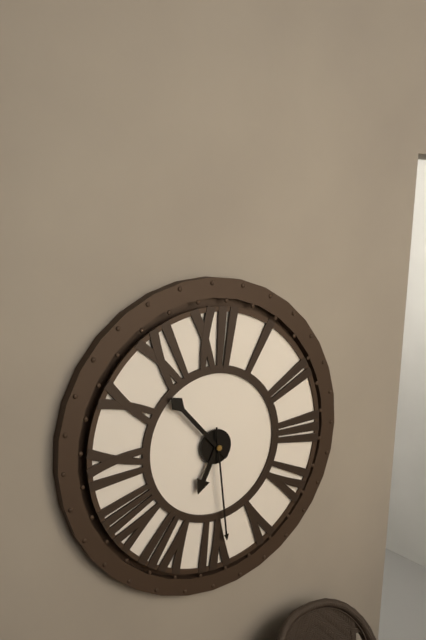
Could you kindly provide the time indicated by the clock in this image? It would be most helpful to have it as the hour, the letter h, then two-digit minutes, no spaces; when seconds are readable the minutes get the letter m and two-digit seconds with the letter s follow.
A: 6h53m29s
